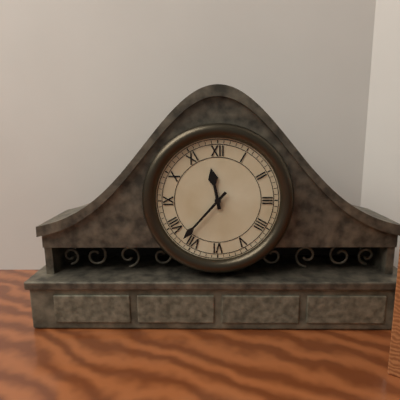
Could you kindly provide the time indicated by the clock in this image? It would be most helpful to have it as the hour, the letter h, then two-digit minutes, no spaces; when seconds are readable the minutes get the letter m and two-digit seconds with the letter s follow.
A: 11h37
